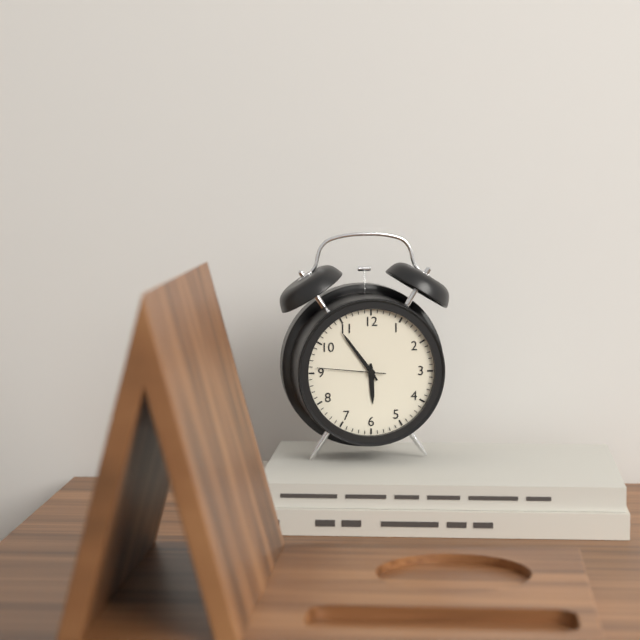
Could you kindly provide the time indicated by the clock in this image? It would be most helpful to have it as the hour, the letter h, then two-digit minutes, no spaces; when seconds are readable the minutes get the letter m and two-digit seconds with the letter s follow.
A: 5h54m46s
